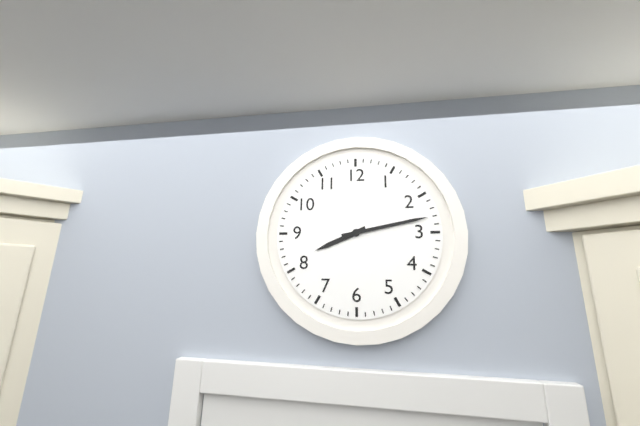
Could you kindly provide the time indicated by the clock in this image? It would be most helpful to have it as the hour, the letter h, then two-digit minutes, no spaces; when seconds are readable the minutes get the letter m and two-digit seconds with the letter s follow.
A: 8h13
